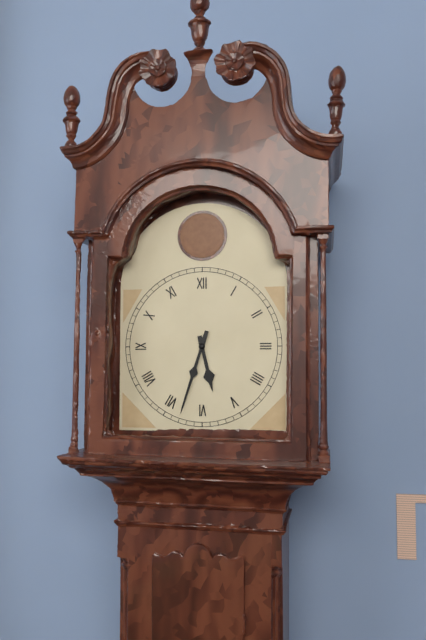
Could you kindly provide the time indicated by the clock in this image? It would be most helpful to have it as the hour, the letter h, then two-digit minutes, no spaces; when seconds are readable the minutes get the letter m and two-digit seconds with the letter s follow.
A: 5h33
